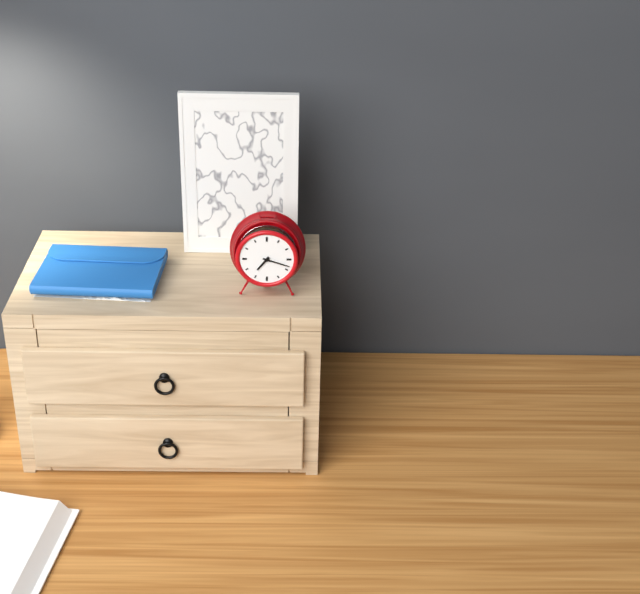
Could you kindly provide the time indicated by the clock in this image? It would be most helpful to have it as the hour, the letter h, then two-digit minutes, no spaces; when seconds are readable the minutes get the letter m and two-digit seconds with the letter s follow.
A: 7h18
